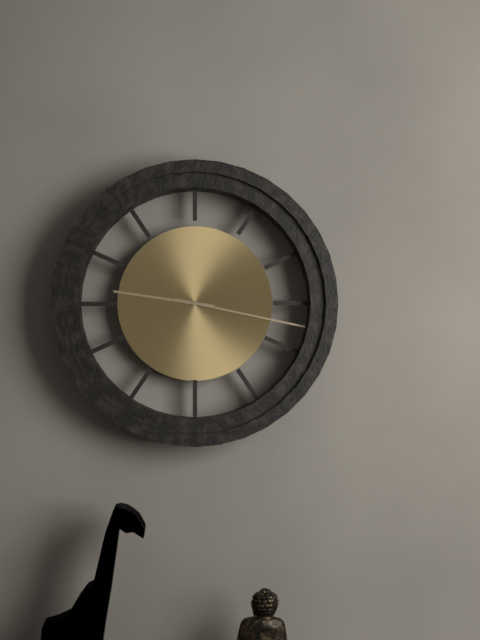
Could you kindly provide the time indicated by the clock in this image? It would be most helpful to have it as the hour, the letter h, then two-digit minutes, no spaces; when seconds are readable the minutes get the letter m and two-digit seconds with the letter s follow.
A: 9h17
